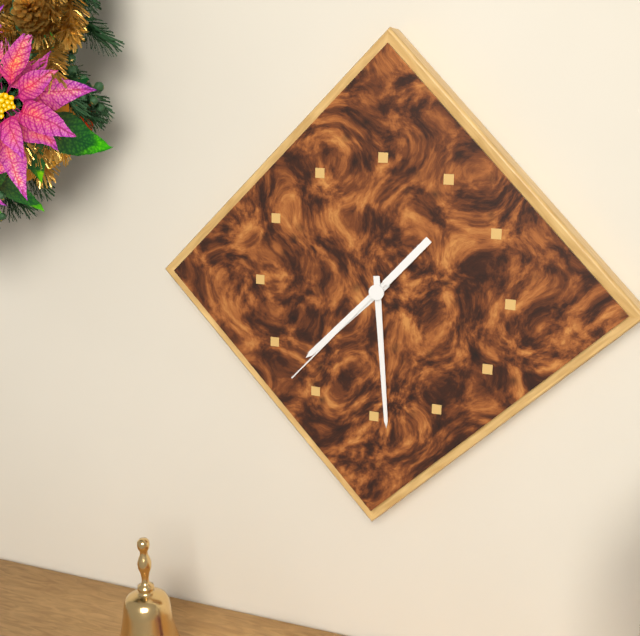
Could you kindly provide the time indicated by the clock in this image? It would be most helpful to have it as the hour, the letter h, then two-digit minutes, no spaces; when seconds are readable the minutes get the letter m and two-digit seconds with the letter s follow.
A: 7h29m37s
